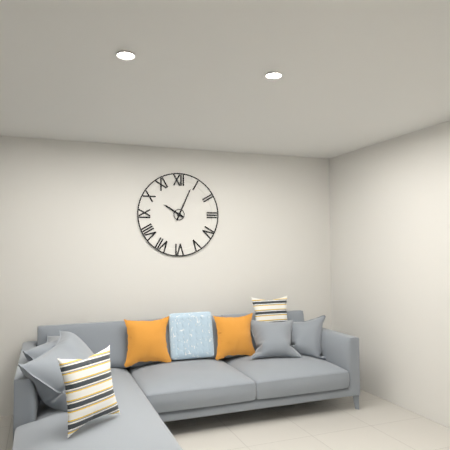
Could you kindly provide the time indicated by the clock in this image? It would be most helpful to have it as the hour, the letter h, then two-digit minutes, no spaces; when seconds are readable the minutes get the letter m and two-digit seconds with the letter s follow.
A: 10h04
